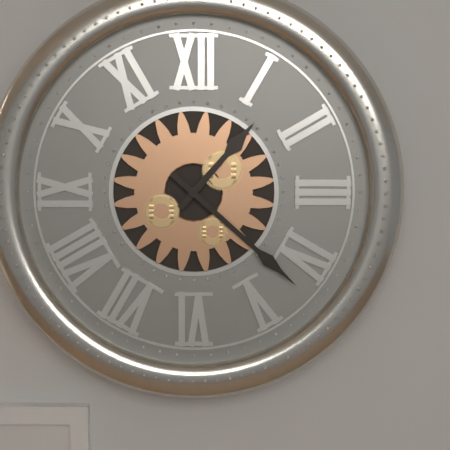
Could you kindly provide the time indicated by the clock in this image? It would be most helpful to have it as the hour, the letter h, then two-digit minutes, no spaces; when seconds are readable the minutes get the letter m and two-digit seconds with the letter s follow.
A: 1h22
